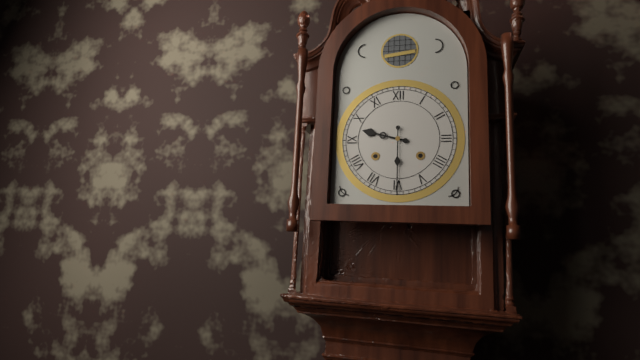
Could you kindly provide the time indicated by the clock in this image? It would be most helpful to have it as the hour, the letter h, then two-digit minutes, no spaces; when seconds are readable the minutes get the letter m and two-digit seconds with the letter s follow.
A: 9h30
